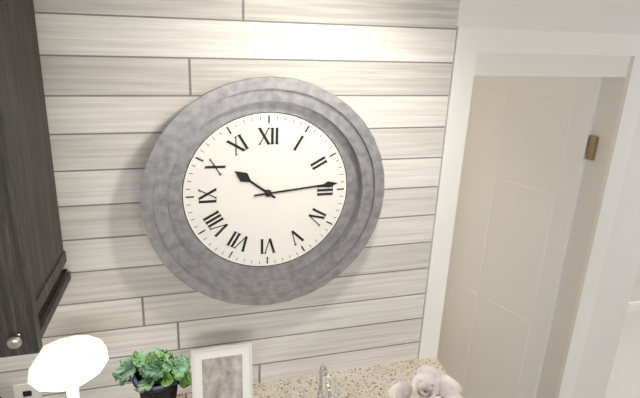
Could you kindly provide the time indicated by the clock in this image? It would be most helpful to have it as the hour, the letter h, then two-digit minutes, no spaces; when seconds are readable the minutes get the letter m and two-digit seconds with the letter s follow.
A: 10h14
